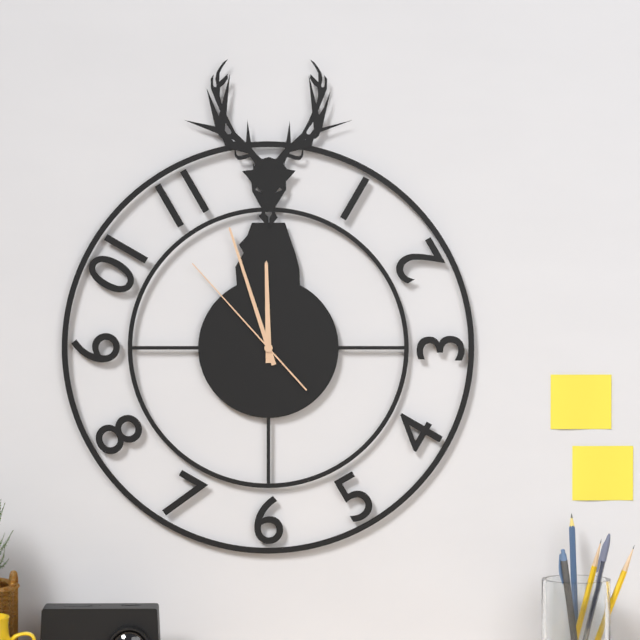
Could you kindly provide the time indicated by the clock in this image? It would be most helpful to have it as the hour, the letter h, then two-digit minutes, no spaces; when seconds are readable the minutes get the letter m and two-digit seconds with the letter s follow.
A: 11h57m53s
